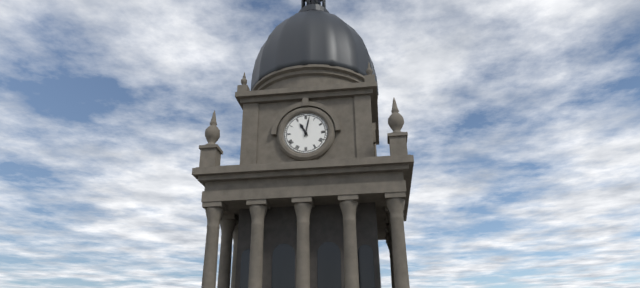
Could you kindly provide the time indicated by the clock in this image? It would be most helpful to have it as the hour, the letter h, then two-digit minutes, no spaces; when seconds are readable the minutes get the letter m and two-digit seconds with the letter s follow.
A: 11h02
